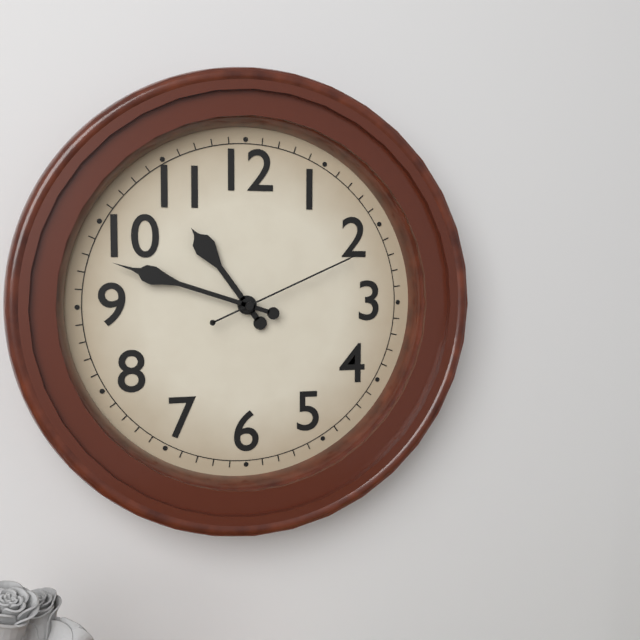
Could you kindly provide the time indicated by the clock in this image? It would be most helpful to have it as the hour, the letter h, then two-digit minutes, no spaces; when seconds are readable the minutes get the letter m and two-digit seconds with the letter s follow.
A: 10h48m11s
